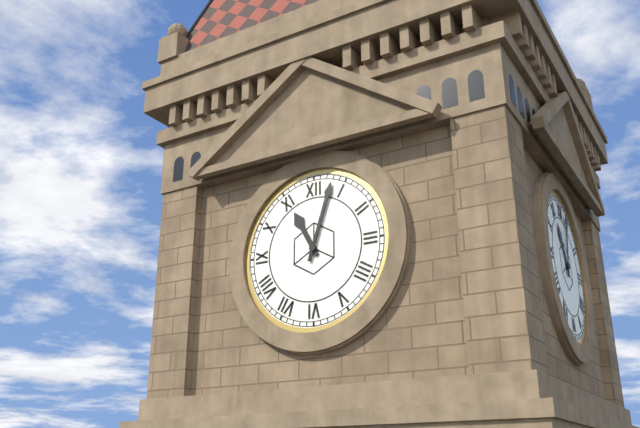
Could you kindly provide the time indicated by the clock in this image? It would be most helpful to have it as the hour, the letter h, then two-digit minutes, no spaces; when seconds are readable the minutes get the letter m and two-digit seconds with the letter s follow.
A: 11h03
